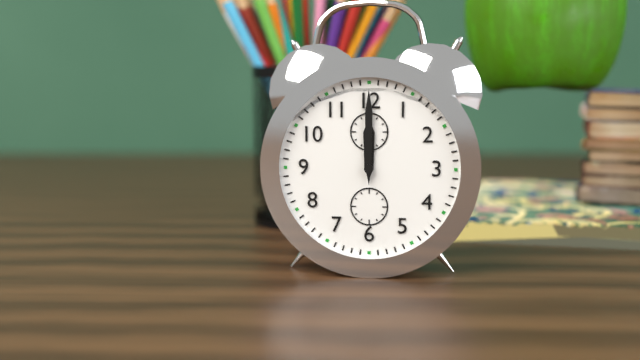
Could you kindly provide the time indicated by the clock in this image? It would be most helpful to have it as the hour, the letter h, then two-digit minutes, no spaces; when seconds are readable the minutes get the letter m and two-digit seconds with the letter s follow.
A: 12h00
